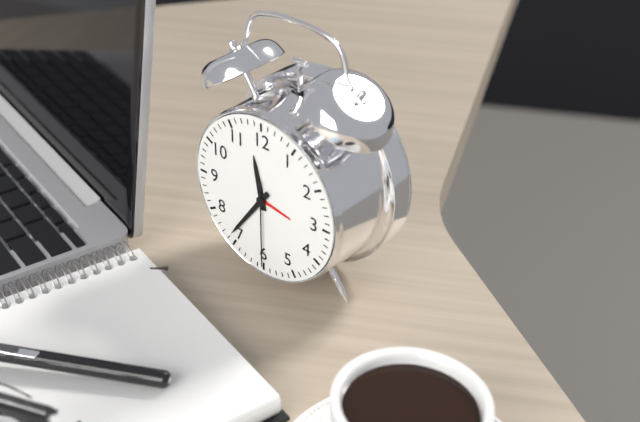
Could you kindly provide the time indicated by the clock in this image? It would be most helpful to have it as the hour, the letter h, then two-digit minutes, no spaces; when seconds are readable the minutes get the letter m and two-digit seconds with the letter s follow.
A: 11h36m30s
